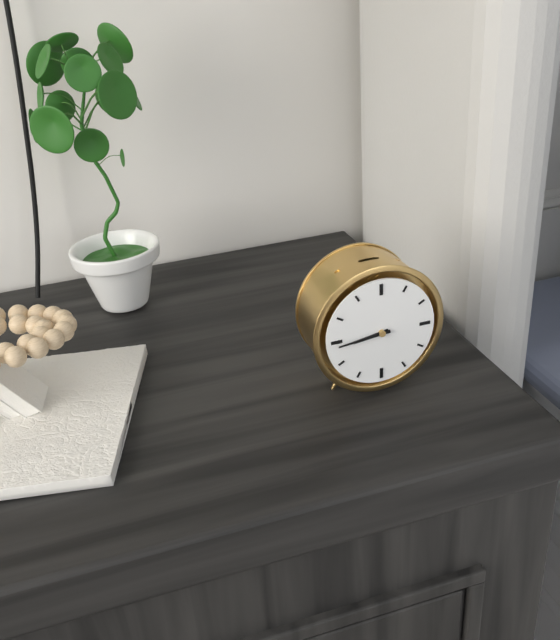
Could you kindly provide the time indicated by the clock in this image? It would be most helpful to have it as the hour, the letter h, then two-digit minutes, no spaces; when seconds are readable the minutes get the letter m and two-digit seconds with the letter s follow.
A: 8h44
